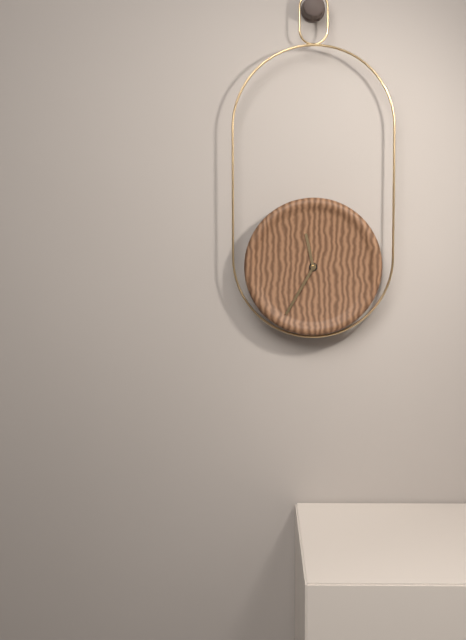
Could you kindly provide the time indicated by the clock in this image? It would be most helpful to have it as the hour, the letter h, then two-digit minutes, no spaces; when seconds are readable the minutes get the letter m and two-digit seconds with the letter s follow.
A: 11h35
